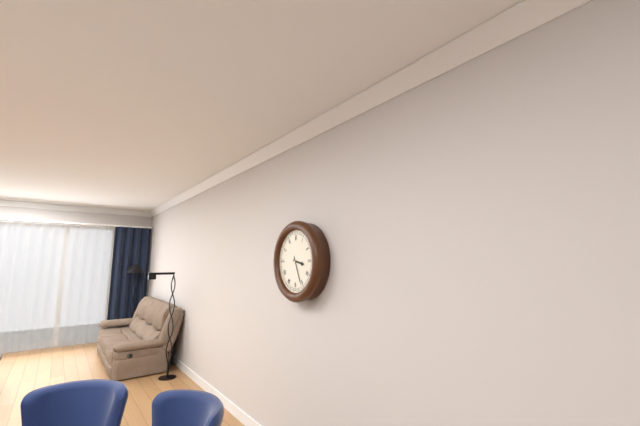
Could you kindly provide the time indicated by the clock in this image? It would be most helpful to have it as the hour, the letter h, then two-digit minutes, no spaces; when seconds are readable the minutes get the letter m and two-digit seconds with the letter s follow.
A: 3h26
